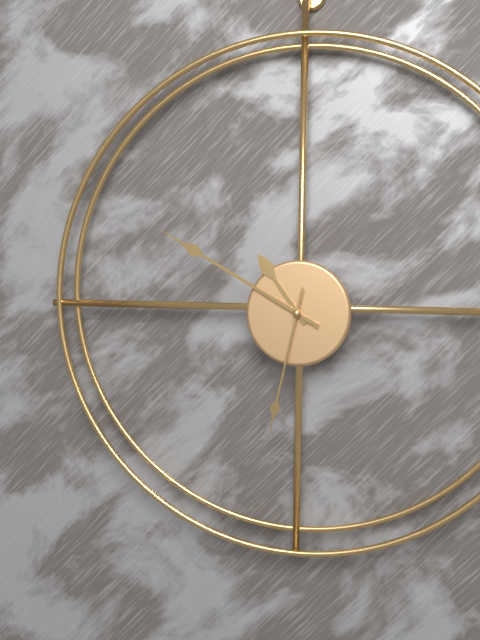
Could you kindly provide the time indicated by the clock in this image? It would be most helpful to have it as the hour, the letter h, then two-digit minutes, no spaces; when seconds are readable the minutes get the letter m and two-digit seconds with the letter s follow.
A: 10h50m32s
